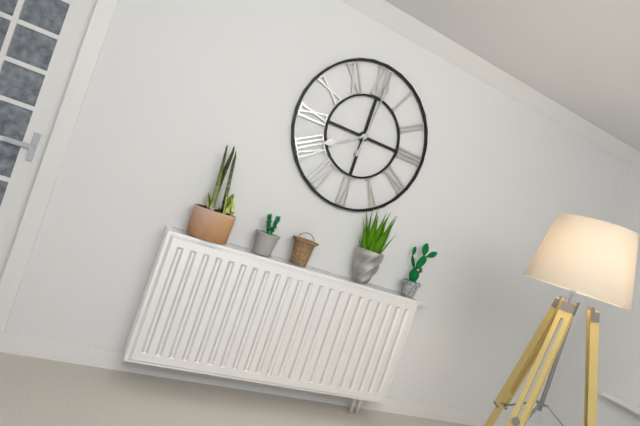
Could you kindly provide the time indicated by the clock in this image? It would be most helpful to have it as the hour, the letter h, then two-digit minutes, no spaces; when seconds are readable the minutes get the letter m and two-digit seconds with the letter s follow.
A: 8h01
